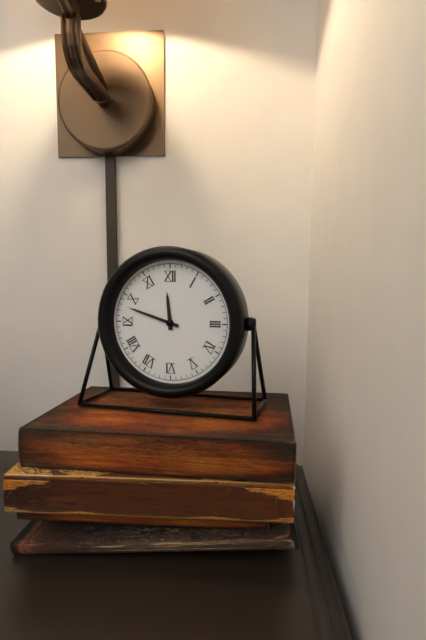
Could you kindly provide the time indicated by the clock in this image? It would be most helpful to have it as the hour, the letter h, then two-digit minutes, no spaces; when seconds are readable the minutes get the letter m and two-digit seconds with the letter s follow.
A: 11h48
